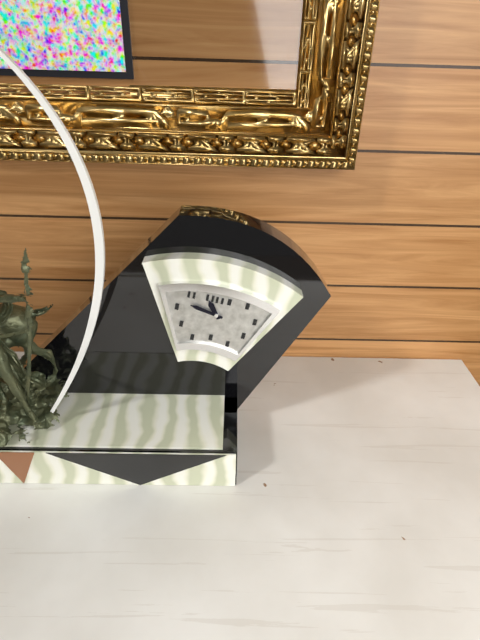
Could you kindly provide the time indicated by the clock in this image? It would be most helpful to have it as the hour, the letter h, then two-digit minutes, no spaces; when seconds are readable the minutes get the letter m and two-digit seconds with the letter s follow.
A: 10h47
